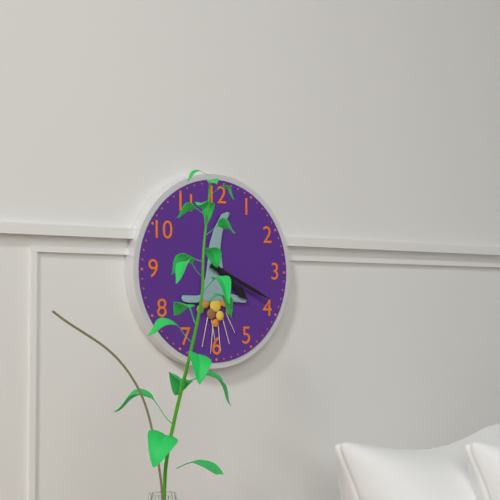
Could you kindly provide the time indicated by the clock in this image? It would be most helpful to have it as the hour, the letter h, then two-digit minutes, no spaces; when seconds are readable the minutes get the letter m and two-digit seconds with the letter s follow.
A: 4h19
